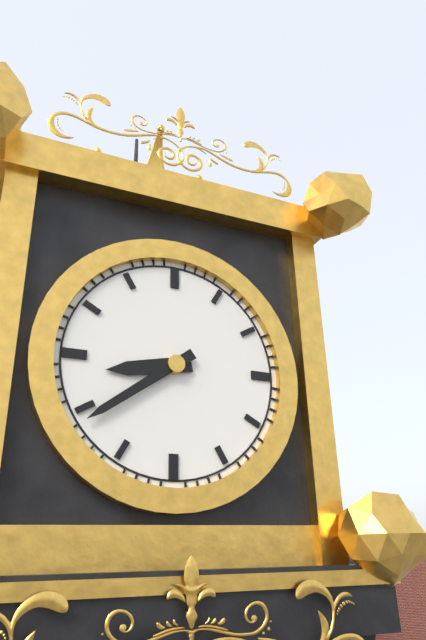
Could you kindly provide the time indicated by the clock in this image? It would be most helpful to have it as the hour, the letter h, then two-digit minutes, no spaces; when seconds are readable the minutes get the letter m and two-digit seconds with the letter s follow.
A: 8h39
